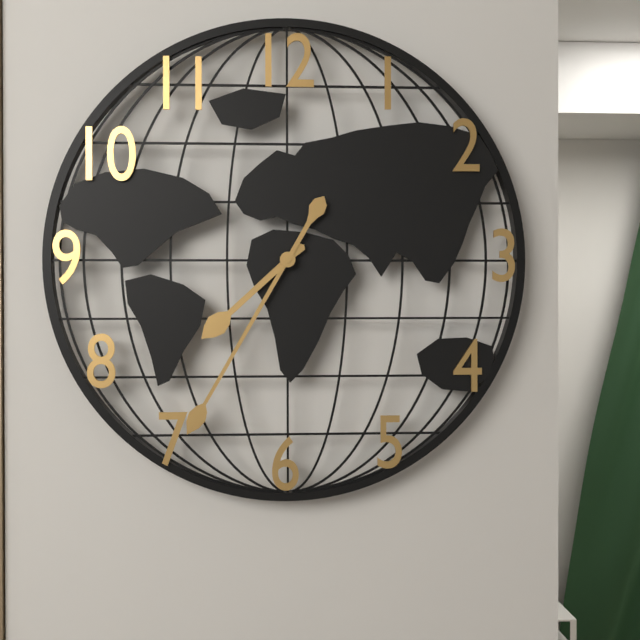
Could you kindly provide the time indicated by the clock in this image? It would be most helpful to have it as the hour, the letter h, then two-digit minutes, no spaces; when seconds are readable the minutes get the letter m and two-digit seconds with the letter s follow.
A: 7h35
